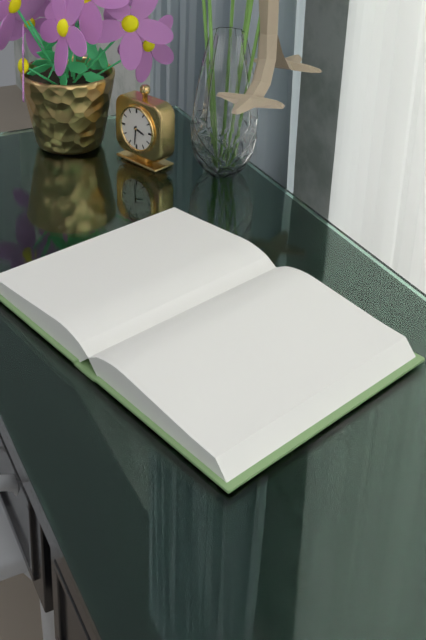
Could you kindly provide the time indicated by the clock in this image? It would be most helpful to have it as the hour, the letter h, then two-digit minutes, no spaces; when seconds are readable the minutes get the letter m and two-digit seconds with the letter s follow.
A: 3h31
